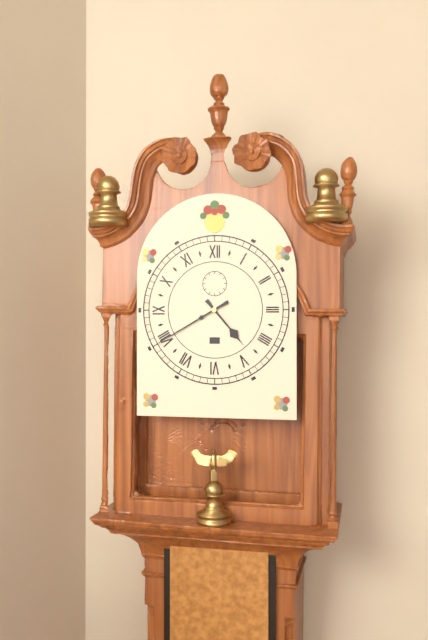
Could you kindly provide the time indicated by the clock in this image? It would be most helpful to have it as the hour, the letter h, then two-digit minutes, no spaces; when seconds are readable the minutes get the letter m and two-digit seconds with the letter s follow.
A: 4h40
